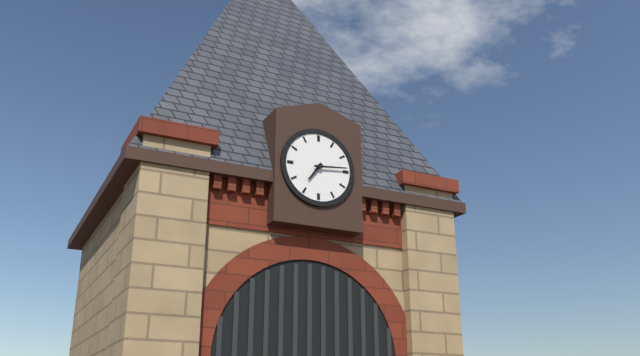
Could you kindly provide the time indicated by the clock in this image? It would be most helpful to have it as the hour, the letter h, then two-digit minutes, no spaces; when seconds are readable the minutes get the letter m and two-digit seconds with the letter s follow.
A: 7h14
